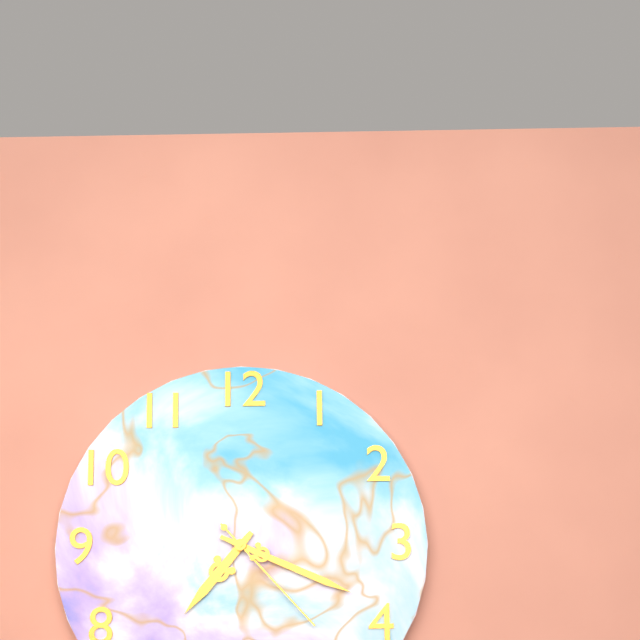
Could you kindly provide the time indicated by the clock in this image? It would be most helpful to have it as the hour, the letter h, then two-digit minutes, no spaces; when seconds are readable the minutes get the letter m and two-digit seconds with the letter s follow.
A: 7h19m23s
